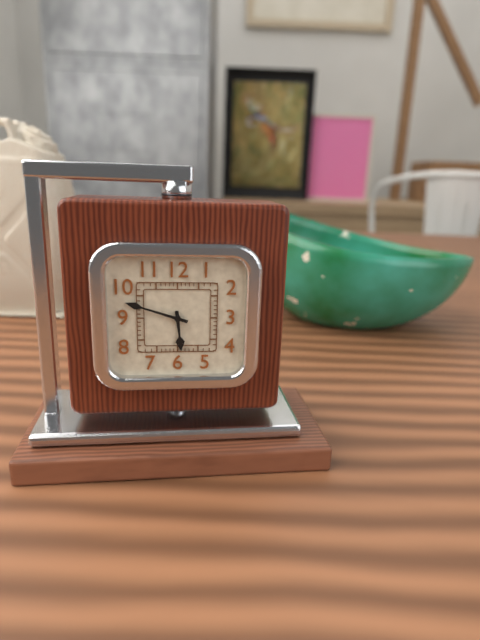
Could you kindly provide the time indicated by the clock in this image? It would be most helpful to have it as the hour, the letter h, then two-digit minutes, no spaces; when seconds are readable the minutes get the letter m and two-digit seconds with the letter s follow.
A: 5h48
